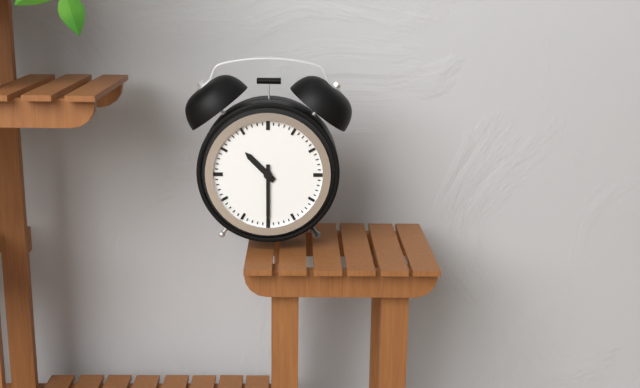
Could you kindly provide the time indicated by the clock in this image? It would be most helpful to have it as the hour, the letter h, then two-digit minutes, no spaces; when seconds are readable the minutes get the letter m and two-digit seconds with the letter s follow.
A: 10h30
